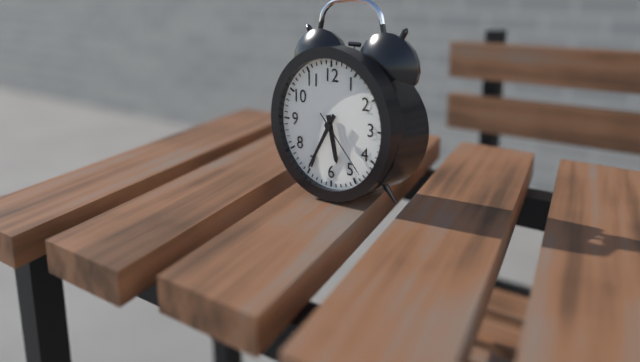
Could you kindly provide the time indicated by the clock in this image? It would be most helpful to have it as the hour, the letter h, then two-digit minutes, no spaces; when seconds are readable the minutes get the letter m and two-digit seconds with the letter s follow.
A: 5h35m23s
